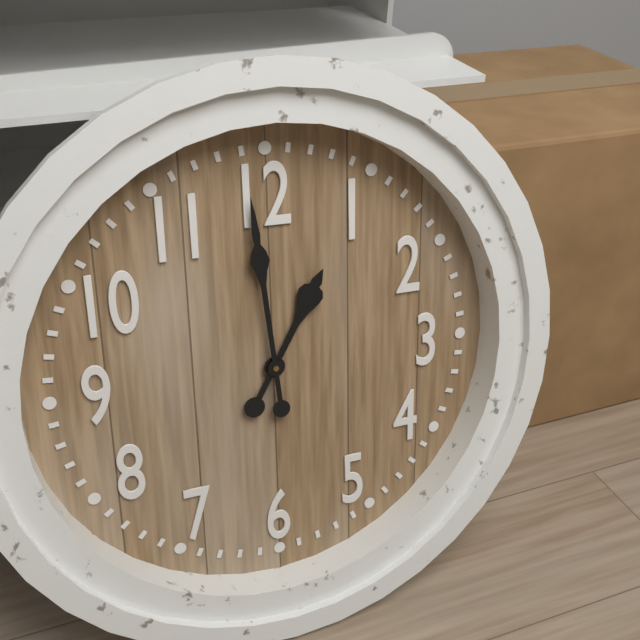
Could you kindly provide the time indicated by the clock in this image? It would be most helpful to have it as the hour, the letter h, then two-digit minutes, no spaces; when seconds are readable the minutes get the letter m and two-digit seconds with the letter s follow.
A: 12h59
